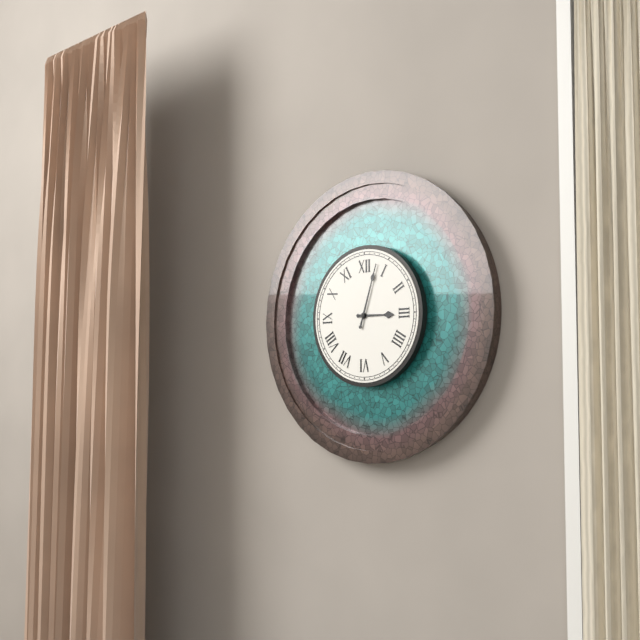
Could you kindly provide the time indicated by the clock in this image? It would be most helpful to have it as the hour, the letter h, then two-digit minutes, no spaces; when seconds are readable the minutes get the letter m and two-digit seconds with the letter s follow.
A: 3h03
